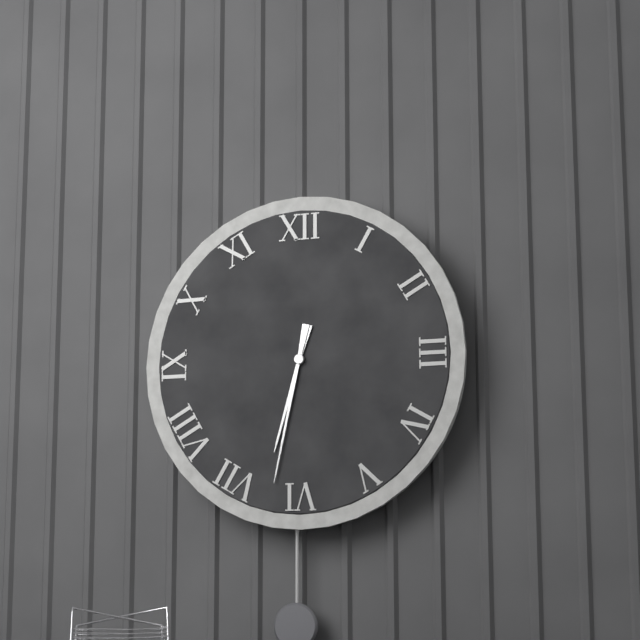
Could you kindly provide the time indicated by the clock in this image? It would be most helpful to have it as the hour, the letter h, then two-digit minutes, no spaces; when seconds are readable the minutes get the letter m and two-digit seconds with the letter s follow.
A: 6h32
